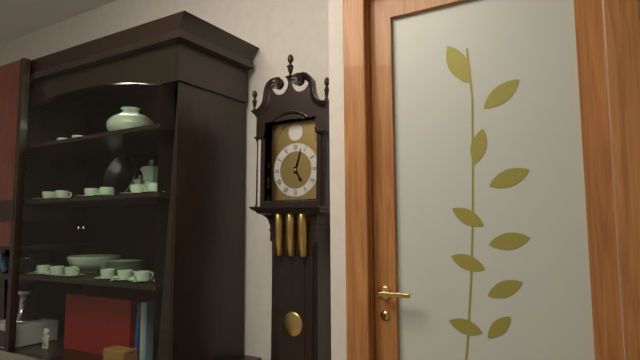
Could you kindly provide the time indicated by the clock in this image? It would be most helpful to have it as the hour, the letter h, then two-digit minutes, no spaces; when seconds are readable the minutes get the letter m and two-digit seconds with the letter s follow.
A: 5h03
